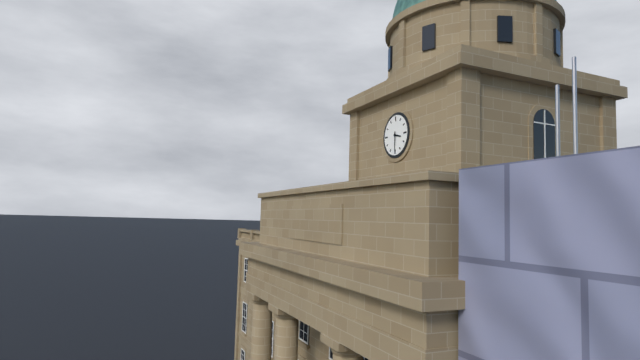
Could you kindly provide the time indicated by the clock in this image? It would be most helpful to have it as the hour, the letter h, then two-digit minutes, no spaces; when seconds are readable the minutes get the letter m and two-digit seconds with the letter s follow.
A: 3h30
